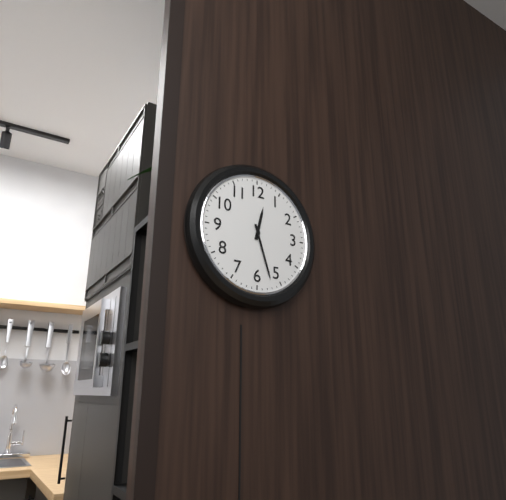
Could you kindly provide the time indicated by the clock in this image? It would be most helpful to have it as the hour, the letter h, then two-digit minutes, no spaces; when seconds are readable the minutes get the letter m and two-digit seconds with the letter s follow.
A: 12h27
